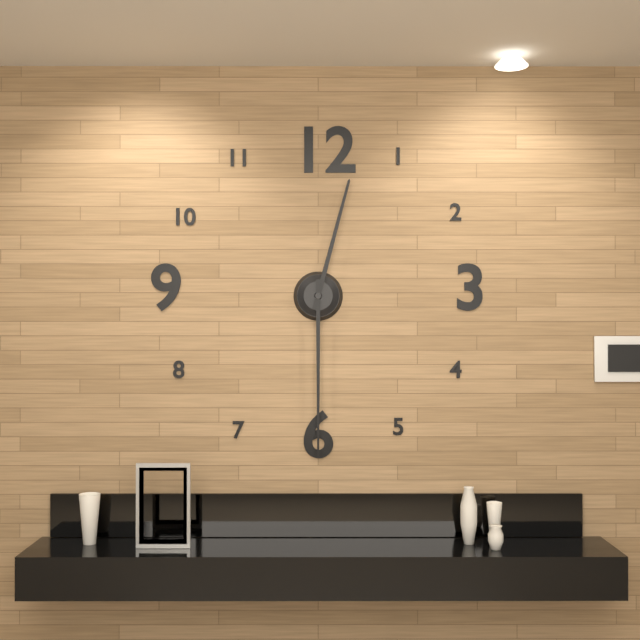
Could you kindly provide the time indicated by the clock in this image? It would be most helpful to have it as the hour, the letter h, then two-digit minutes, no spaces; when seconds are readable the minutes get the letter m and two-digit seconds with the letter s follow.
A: 12h30
